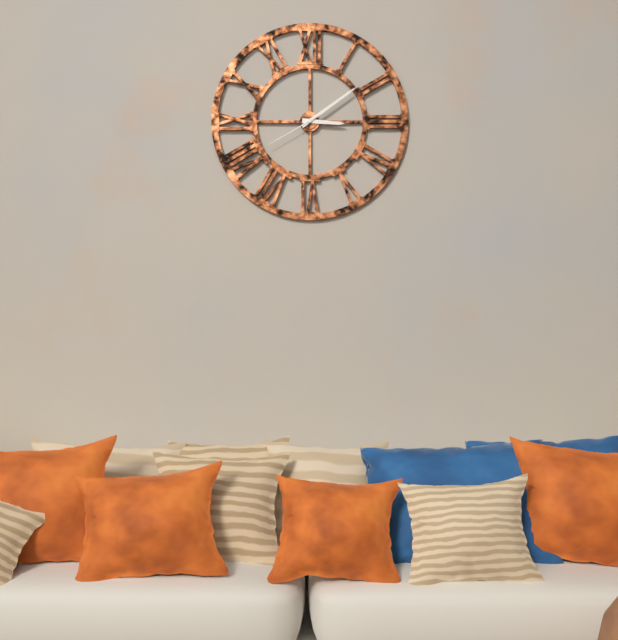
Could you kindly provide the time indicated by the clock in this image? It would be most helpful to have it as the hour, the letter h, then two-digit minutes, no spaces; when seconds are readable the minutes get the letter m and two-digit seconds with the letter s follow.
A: 3h09m40s
